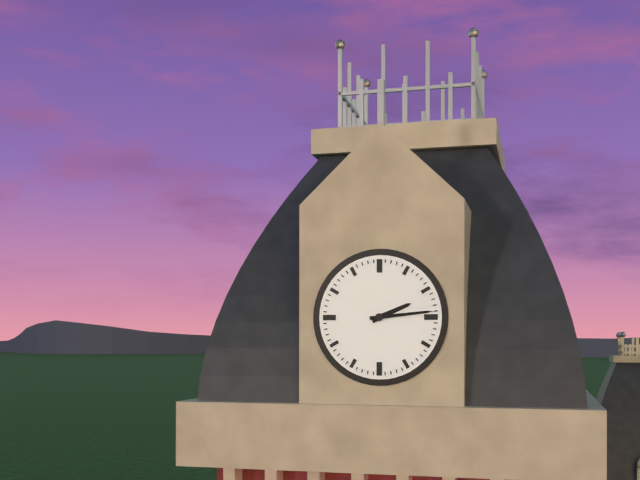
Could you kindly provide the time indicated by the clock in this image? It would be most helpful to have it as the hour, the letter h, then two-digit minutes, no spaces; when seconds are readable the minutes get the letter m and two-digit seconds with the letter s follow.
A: 2h14
